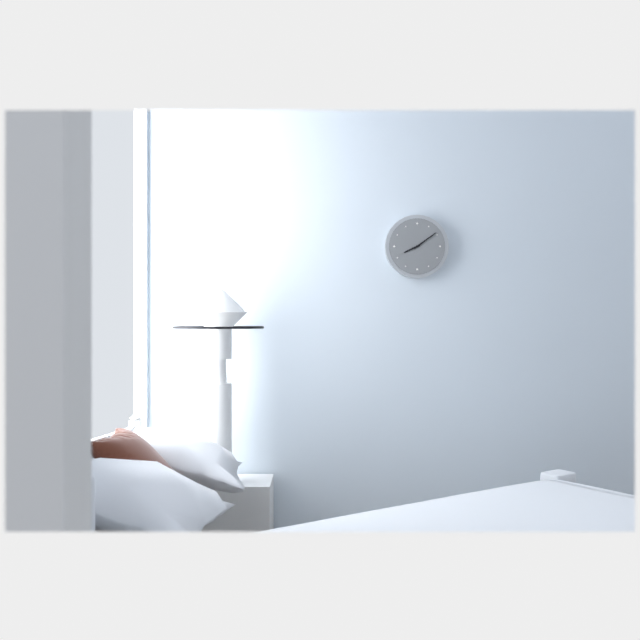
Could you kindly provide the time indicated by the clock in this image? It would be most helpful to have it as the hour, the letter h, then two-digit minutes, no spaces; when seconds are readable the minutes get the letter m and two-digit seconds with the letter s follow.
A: 8h09
